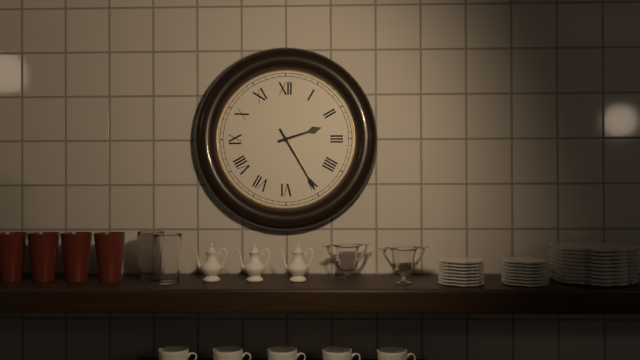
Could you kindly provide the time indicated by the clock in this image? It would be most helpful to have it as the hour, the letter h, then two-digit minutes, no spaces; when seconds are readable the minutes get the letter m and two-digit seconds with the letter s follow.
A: 2h25
